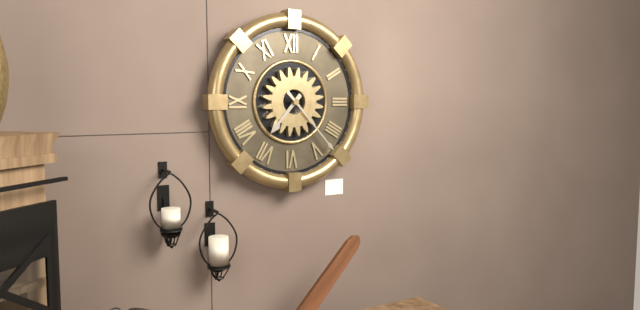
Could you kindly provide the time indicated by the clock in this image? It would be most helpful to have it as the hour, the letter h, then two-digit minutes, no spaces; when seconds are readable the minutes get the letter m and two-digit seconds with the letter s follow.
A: 7h23
